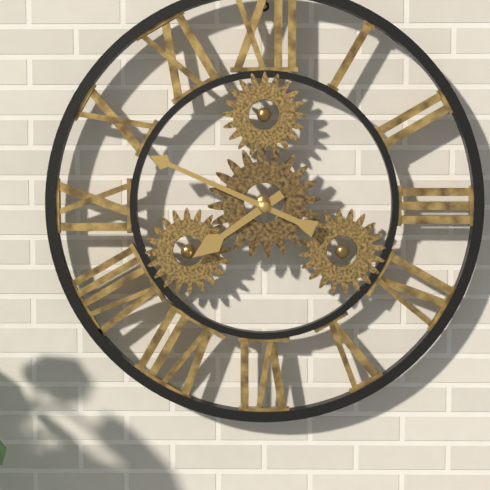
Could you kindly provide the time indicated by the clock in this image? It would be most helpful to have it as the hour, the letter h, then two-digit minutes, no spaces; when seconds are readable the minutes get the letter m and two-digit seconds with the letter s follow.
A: 7h49
